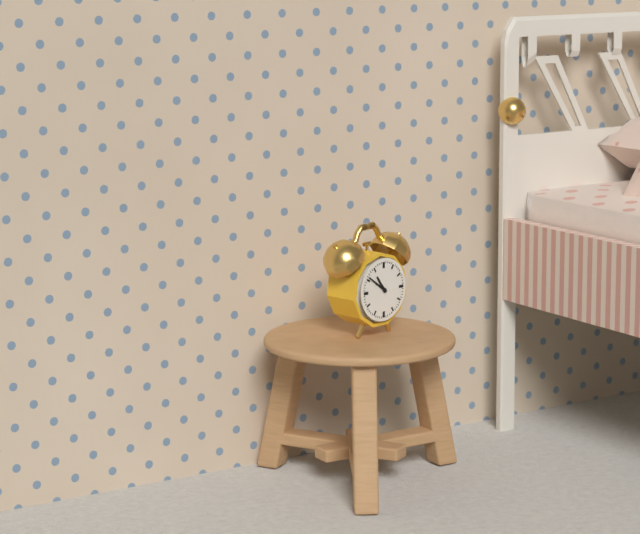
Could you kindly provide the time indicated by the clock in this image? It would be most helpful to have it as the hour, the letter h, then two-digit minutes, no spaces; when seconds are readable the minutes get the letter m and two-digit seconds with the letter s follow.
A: 10h51
